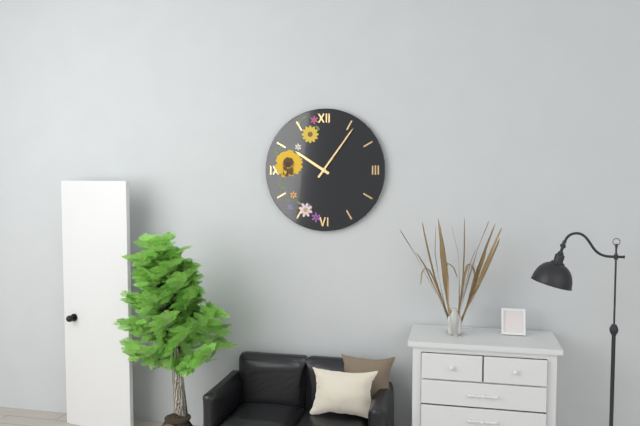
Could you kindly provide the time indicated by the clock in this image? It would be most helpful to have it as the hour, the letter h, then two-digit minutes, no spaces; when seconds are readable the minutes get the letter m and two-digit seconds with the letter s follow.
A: 10h06
